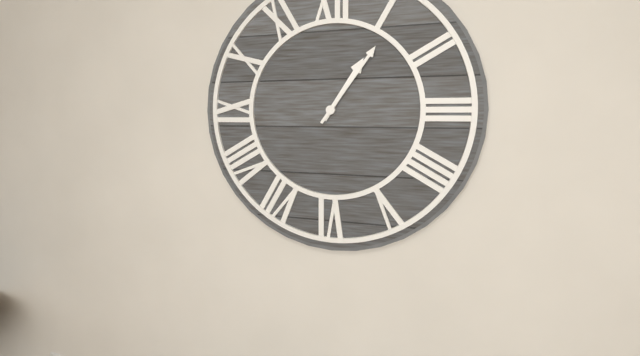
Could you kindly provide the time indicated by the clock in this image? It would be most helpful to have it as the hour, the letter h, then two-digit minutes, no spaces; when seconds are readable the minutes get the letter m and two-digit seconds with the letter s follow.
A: 1h06
